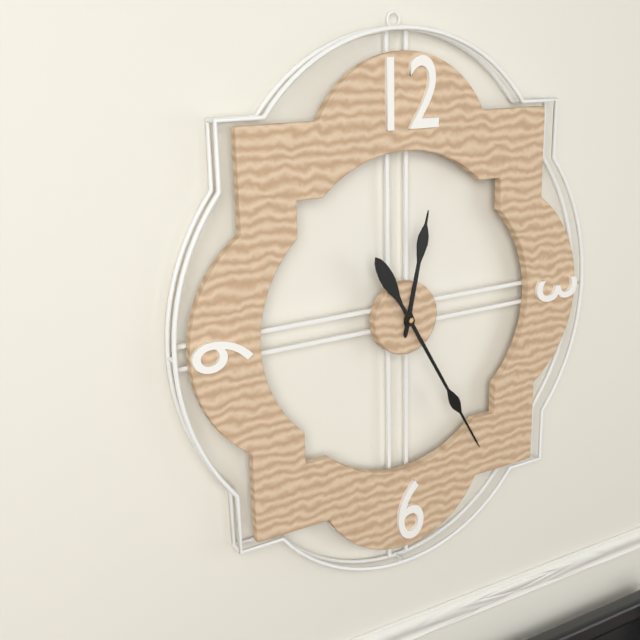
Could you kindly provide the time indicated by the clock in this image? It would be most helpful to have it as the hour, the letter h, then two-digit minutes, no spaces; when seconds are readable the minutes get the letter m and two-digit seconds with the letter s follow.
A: 12h25
